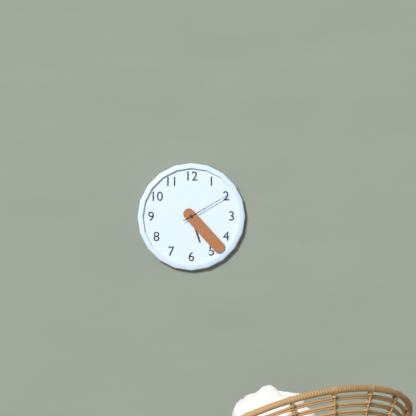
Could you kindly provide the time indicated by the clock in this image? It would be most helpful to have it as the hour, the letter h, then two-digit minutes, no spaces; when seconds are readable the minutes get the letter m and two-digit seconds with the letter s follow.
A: 5h23m10s
